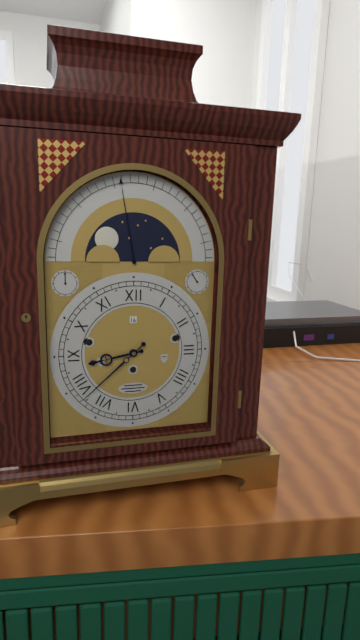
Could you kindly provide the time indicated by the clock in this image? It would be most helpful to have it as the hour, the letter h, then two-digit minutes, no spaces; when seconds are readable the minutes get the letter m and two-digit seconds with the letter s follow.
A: 8h38
